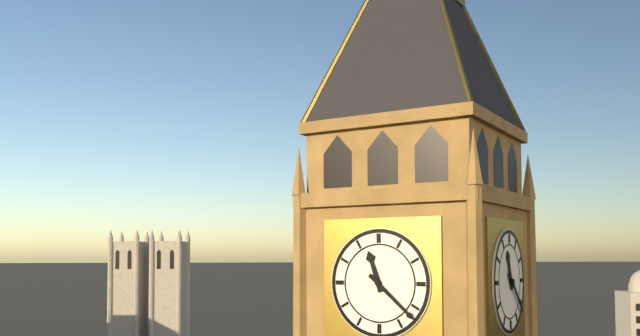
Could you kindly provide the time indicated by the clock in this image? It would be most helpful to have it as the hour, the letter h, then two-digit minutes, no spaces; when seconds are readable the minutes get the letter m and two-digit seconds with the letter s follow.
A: 11h22
